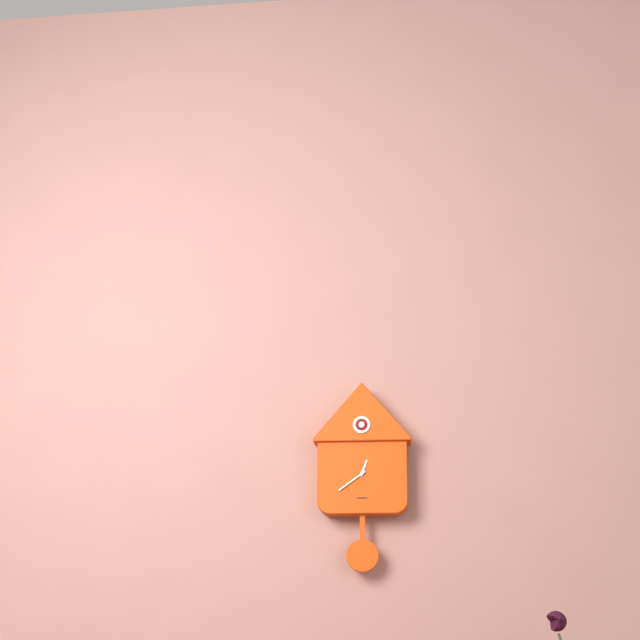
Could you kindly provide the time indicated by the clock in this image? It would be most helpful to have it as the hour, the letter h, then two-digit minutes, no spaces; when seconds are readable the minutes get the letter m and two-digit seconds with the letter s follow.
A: 12h39
